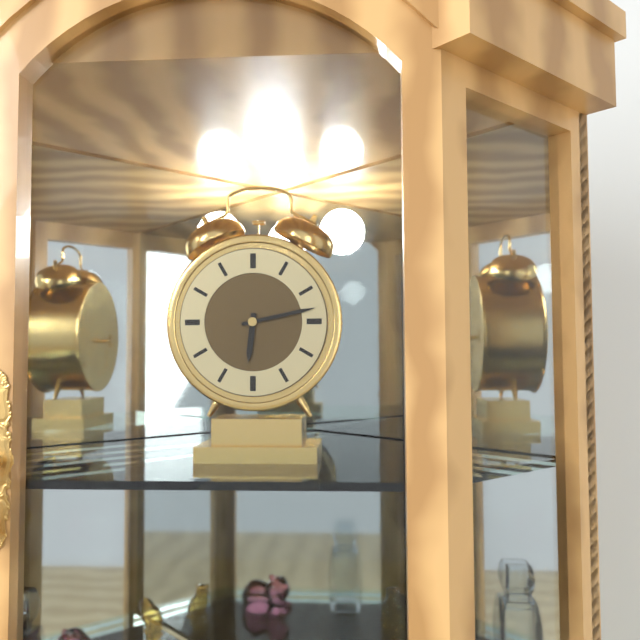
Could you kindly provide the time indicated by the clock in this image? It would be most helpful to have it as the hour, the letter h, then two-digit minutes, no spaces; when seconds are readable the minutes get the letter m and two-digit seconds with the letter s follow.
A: 6h13
